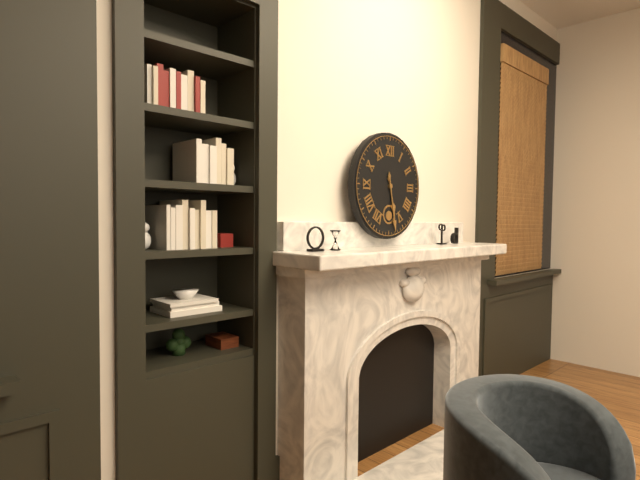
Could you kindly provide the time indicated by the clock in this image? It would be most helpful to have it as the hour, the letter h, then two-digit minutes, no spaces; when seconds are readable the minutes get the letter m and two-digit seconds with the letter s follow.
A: 5h28
